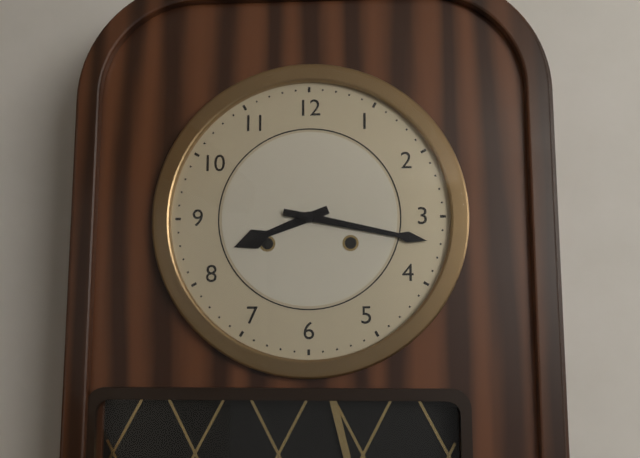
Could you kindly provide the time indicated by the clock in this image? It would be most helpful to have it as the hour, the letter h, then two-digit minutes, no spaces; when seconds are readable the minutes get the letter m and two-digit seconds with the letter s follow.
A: 8h17
